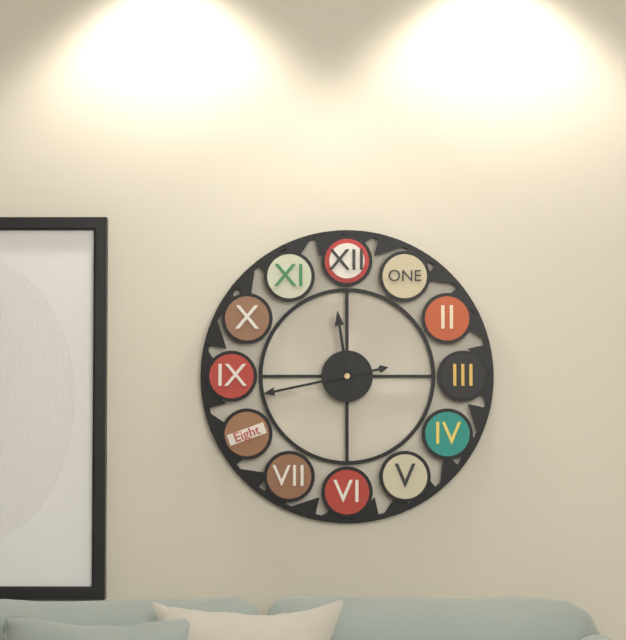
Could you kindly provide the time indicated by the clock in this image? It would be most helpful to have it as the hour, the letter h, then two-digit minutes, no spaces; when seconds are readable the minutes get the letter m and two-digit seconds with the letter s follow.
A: 11h43
